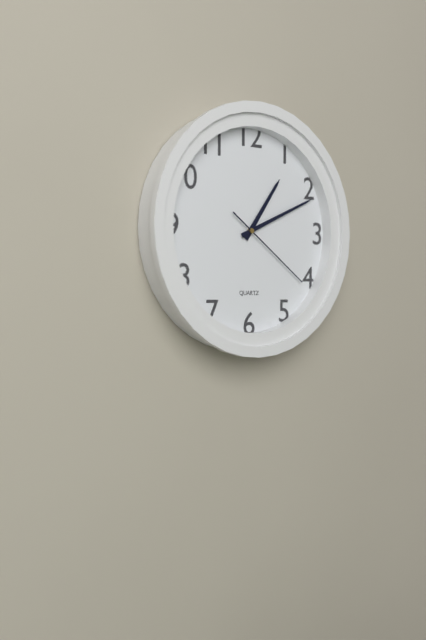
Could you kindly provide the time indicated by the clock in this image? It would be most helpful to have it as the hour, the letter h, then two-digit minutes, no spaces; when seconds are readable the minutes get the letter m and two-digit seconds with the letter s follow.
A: 1h11m21s
